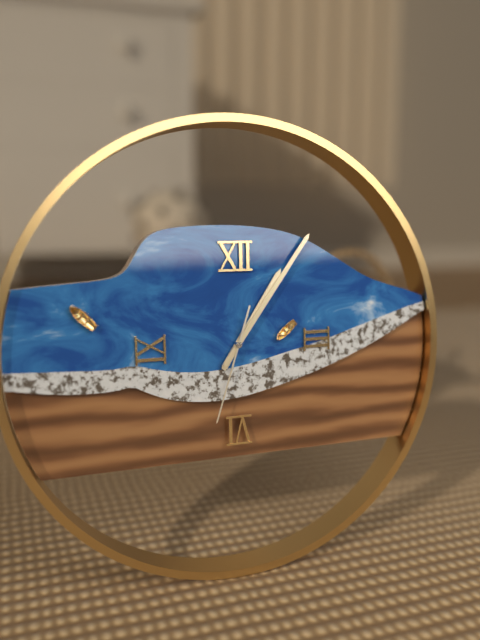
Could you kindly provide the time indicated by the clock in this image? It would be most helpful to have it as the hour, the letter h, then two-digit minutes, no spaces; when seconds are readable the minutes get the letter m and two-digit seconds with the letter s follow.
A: 1h06m33s
